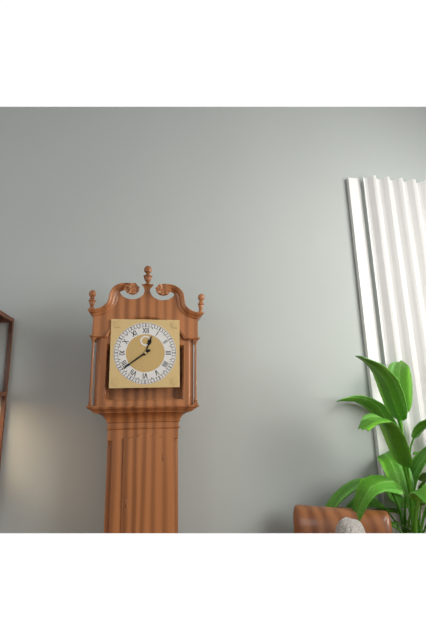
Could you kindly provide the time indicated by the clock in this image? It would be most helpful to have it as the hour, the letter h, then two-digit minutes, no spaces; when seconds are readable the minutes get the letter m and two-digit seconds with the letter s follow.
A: 12h39
